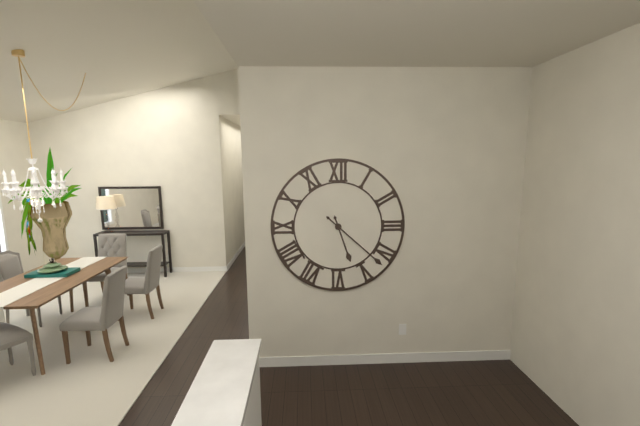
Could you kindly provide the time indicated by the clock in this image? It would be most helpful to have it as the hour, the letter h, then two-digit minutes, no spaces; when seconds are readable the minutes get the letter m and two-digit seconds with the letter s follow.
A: 5h22
